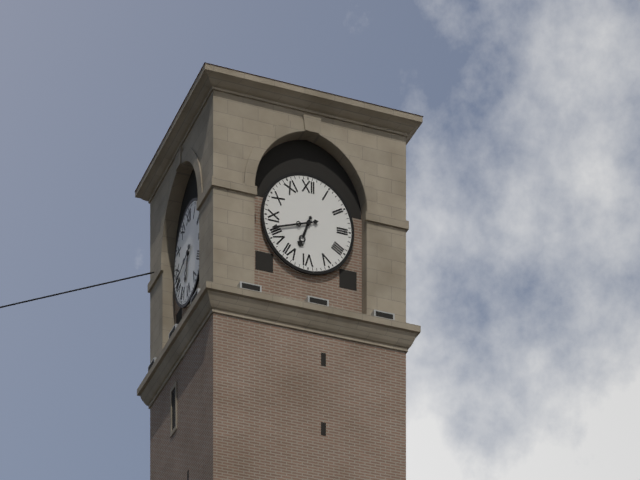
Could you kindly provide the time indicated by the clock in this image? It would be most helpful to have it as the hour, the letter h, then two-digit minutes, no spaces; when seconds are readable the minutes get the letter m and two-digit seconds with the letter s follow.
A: 6h42
